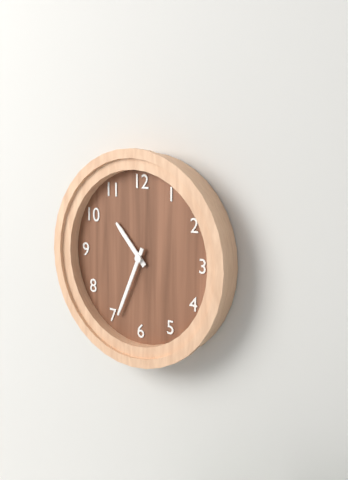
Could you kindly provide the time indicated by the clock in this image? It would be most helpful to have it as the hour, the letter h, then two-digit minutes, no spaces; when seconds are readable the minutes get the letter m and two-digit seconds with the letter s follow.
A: 10h34
